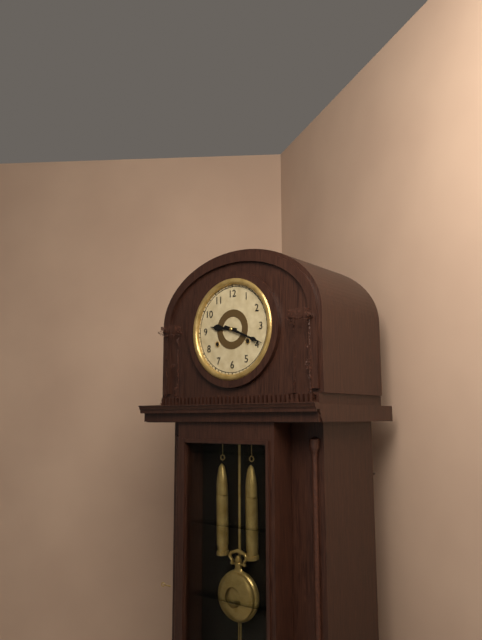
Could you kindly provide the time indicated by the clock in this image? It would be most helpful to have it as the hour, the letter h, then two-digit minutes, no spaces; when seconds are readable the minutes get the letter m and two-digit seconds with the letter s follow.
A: 9h19
